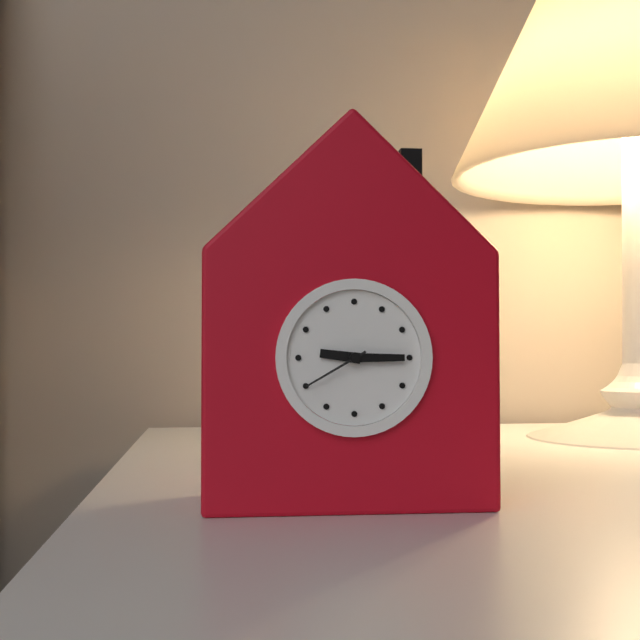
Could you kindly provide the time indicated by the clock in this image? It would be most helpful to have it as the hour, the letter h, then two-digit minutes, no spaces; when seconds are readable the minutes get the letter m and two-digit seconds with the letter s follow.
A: 9h15m40s
